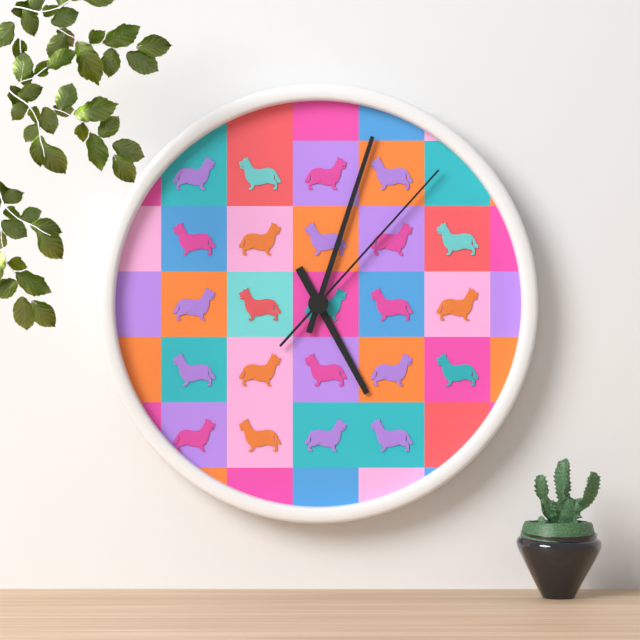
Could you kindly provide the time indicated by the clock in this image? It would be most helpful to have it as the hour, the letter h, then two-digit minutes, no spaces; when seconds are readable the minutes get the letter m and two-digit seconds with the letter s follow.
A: 5h03m07s
